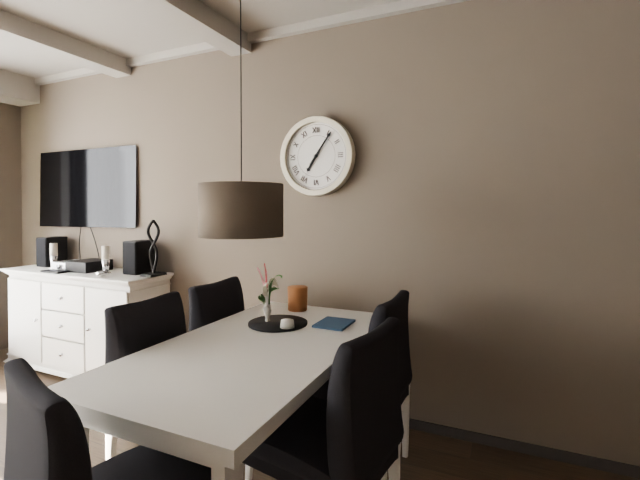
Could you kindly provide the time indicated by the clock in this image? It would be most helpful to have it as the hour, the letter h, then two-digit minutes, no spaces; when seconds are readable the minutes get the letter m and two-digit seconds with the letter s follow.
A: 7h06
